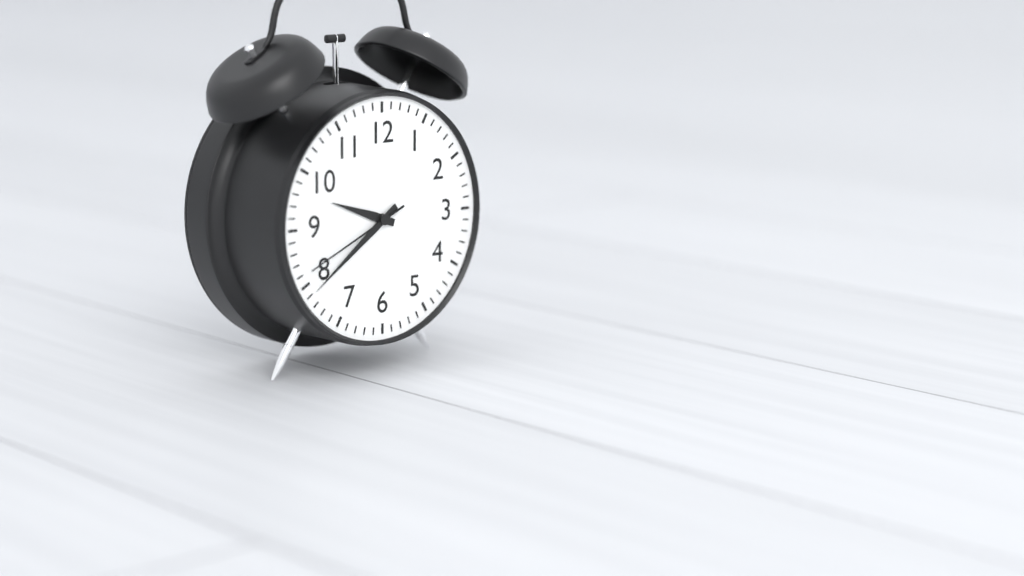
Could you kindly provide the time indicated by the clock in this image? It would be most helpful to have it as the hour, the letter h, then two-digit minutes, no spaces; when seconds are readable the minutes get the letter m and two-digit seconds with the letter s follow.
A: 9h39m41s
